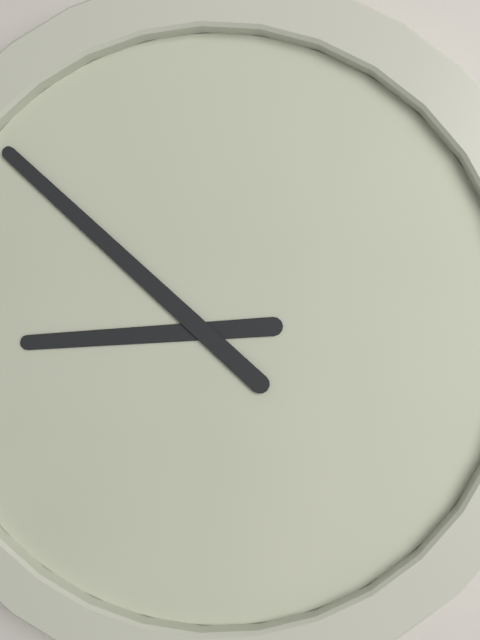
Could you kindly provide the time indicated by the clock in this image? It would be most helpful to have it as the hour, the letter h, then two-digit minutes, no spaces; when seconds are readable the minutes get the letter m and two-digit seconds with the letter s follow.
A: 8h52
